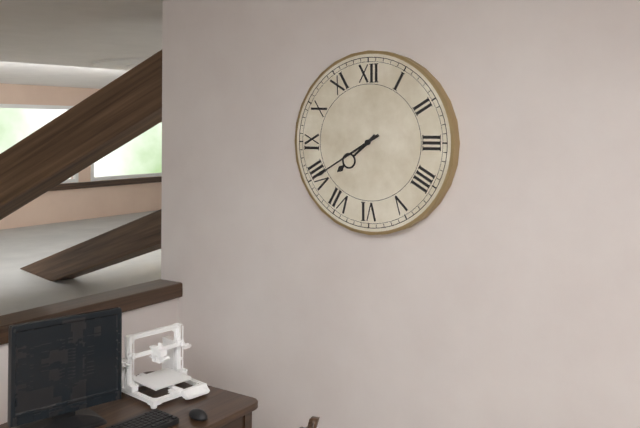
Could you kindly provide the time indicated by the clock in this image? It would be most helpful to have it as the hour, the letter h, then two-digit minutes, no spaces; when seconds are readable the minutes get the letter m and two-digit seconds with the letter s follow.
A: 7h40
